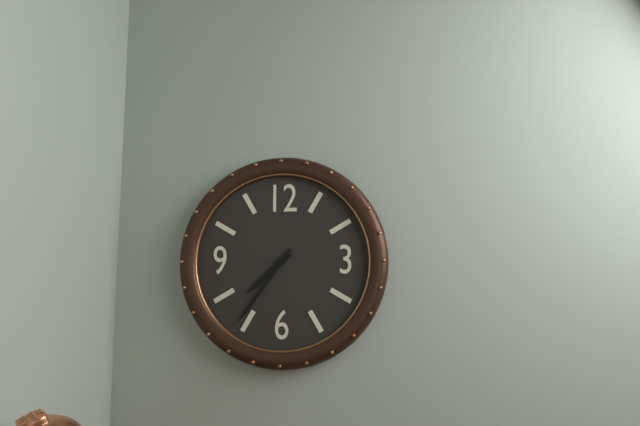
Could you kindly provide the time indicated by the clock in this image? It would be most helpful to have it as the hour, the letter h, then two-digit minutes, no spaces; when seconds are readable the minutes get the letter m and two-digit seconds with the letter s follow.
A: 7h36
